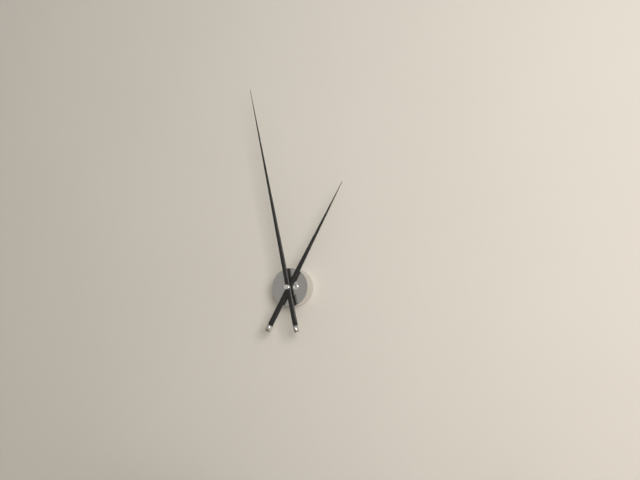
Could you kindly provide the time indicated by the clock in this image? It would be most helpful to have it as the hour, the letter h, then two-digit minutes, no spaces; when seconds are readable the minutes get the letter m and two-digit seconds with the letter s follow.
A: 12h58
